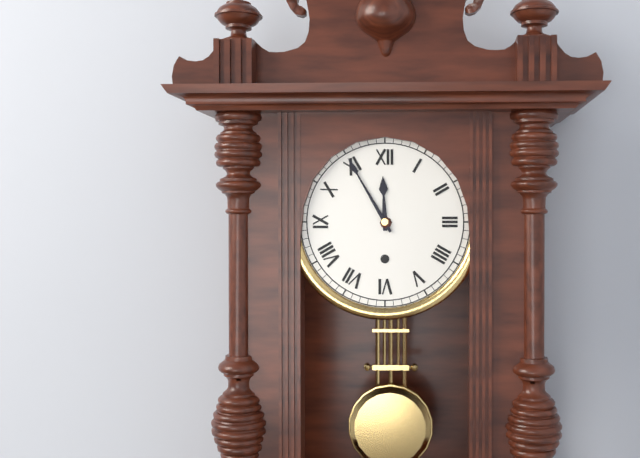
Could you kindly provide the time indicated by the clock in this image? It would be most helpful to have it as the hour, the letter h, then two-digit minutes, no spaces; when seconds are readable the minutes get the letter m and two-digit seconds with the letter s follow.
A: 11h55
